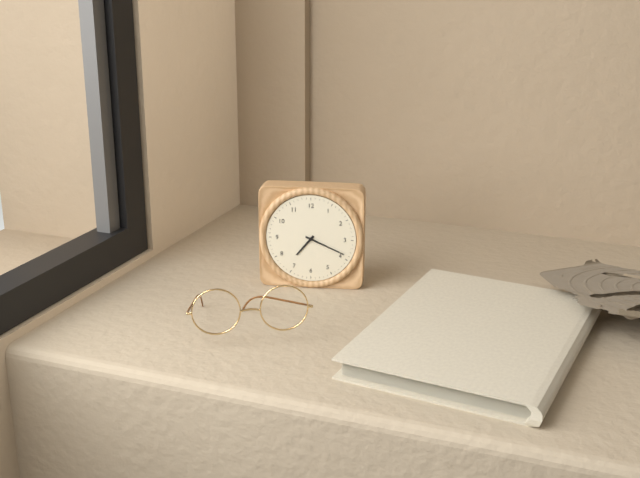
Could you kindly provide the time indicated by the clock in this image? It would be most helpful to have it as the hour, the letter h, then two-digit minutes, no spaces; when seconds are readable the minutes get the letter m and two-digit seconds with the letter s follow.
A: 7h19
